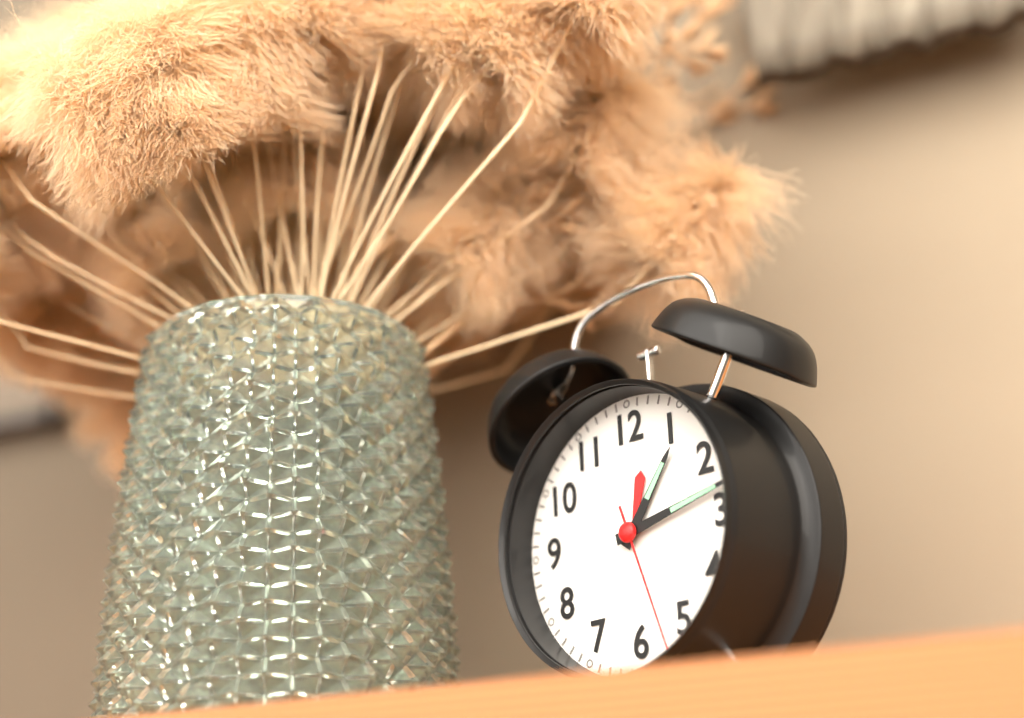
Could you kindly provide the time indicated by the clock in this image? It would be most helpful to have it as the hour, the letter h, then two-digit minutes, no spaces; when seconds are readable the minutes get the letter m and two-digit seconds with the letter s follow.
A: 1h13m27s
